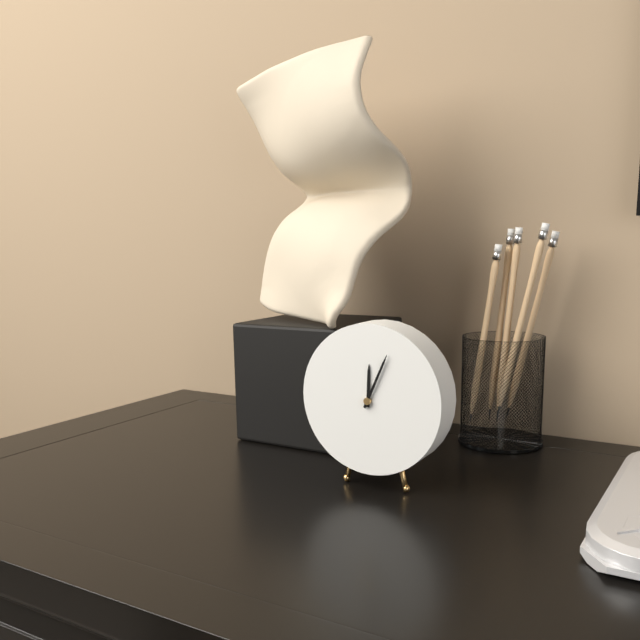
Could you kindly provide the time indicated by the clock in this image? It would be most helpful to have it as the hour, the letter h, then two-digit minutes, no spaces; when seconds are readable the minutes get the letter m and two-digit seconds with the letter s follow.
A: 12h04
